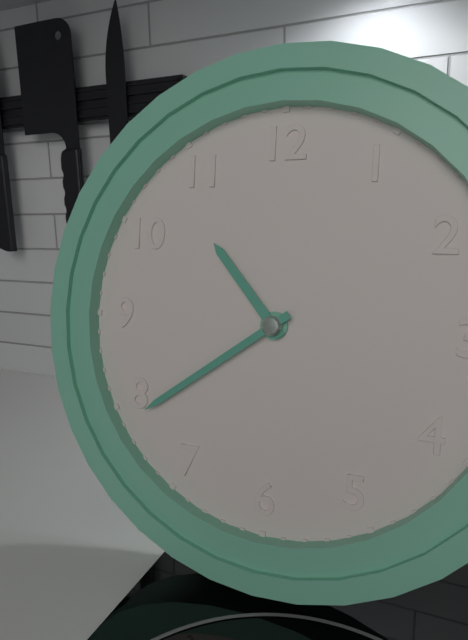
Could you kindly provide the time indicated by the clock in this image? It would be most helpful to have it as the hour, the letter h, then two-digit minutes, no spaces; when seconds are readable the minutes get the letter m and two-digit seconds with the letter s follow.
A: 10h39
